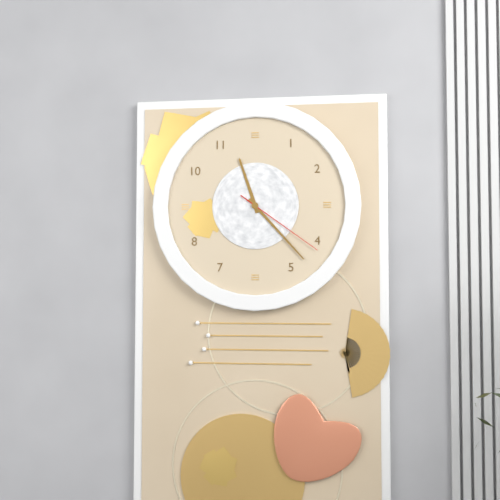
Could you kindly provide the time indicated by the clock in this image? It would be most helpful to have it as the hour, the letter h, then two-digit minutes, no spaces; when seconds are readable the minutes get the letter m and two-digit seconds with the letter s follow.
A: 11h23m21s
